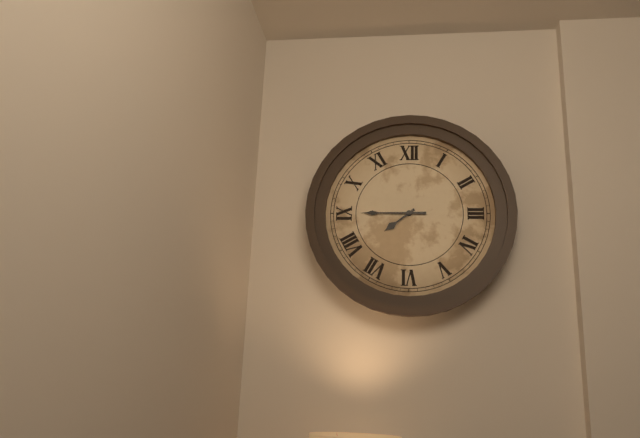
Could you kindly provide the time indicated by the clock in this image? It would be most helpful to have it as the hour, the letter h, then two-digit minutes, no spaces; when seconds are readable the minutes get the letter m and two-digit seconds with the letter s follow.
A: 7h45
